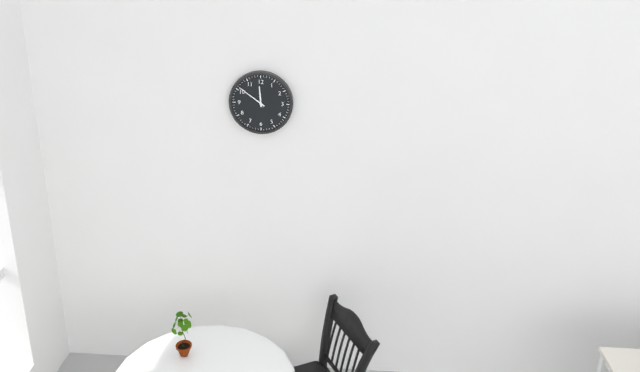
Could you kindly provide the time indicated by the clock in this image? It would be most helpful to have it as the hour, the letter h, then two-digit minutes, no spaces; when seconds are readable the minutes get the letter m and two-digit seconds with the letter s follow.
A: 11h51
